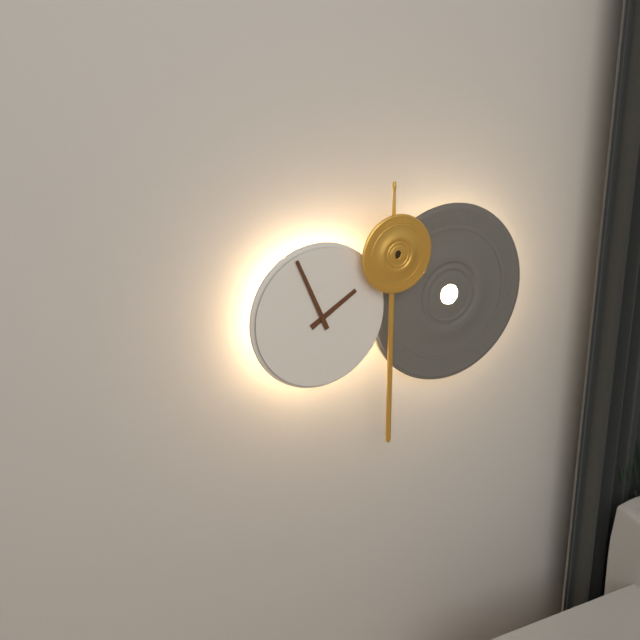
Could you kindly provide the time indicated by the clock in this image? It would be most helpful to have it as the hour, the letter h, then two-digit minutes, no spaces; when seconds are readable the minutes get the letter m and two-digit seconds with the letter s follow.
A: 1h56
